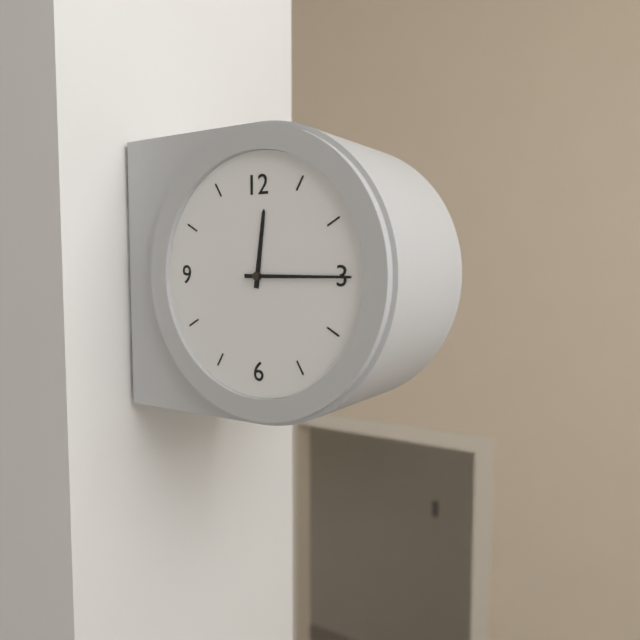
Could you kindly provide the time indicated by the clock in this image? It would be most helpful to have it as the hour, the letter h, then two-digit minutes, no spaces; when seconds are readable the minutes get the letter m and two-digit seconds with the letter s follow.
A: 12h15
